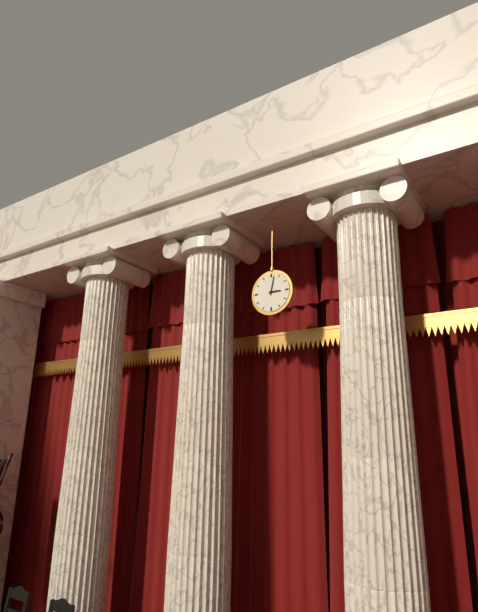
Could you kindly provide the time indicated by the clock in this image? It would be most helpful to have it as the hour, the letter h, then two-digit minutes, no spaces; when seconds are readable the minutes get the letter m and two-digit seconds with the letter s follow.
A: 3h02
